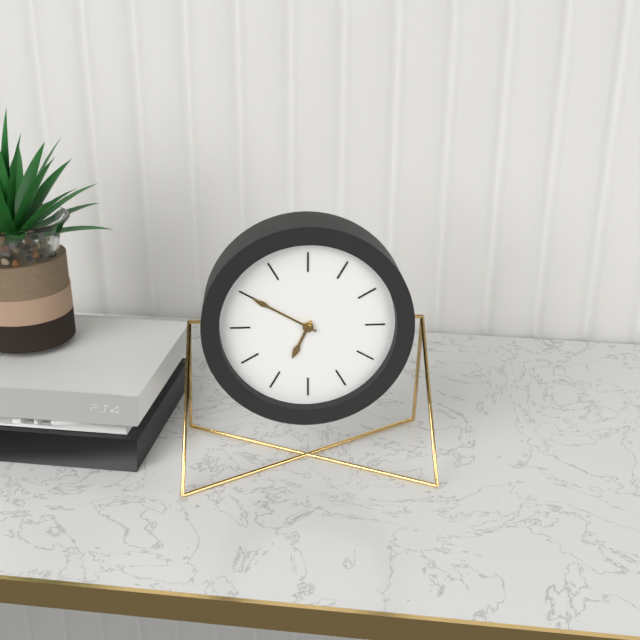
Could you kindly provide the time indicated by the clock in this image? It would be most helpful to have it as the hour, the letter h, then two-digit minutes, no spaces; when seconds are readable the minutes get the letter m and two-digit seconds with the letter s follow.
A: 6h50
